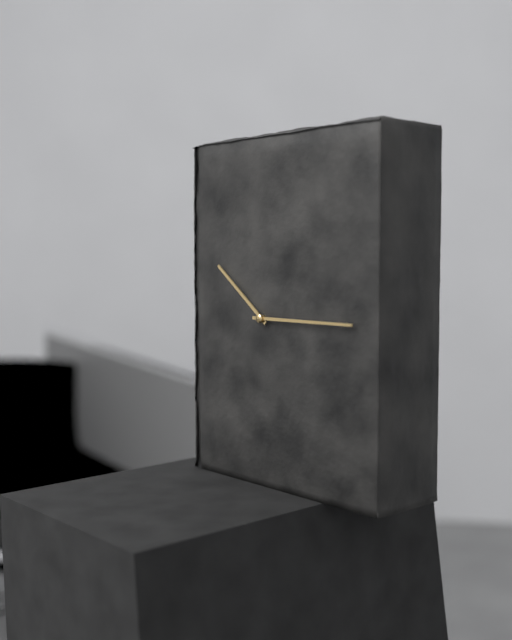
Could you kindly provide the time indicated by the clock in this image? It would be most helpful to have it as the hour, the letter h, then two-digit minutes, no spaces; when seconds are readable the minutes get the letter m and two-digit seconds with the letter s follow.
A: 10h15
